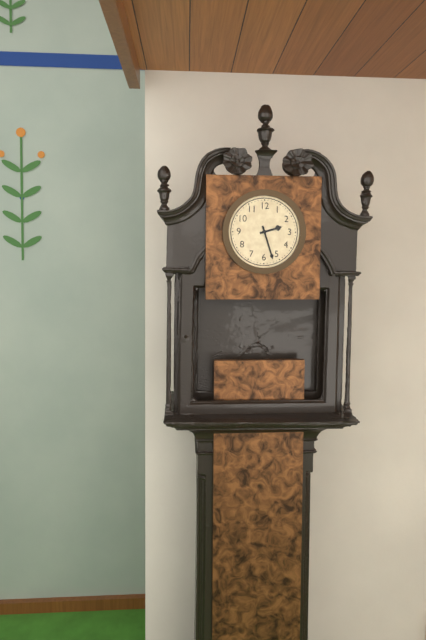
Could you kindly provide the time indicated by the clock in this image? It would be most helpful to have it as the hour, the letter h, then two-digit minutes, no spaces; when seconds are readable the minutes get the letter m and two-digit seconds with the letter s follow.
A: 2h27
